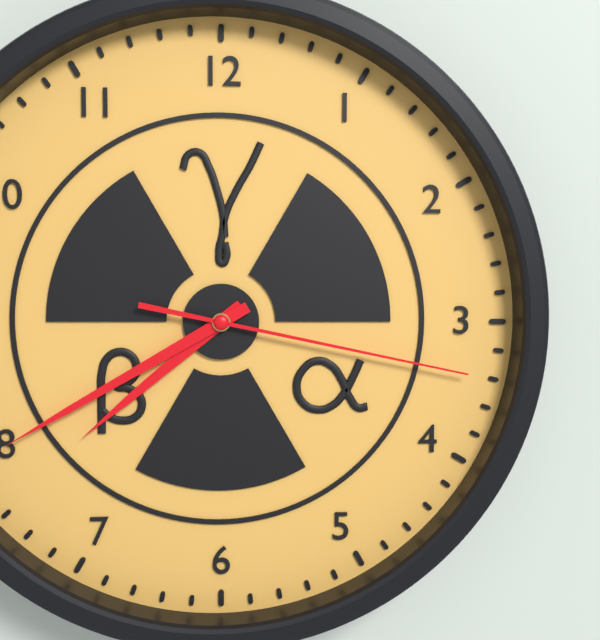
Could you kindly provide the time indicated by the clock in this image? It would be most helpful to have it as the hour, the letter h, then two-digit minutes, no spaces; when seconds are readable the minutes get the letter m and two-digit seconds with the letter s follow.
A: 7h40m17s
